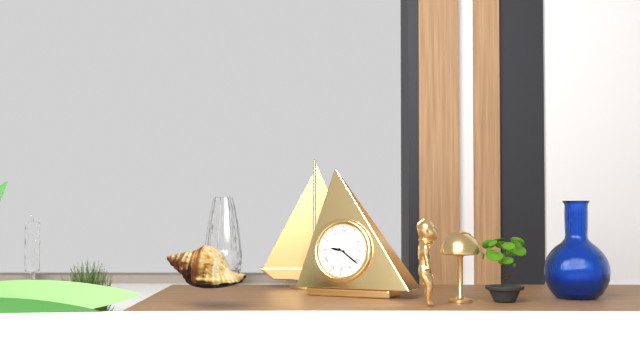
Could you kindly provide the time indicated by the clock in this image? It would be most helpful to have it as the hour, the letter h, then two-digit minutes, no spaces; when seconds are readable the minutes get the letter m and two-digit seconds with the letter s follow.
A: 9h21
